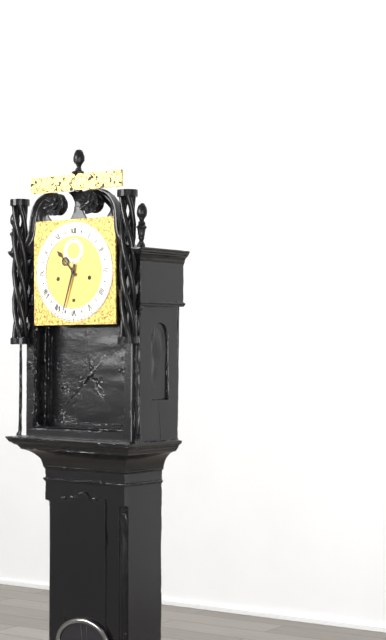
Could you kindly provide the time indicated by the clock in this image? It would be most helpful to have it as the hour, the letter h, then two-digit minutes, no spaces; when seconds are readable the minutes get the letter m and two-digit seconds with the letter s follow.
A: 10h33
